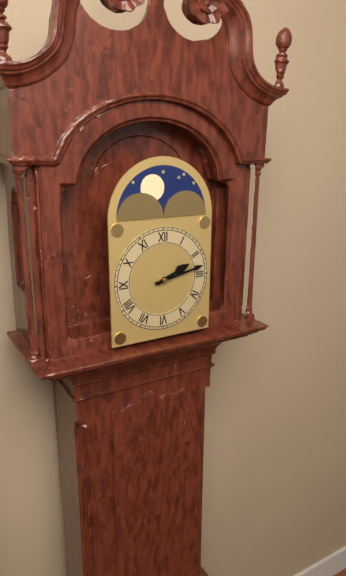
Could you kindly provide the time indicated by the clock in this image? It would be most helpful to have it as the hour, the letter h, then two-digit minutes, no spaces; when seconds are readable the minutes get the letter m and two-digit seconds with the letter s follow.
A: 2h13
